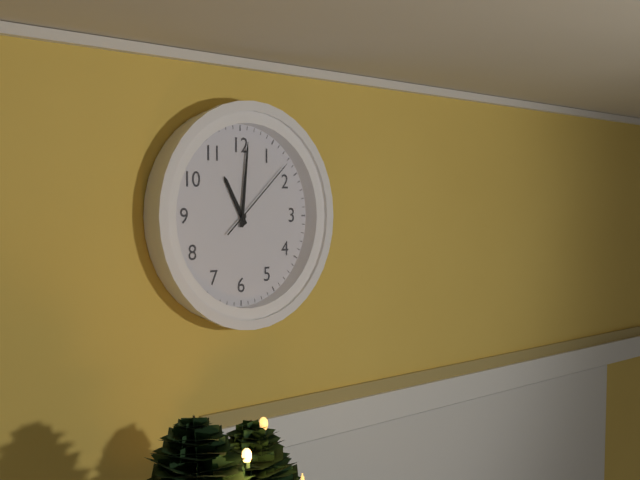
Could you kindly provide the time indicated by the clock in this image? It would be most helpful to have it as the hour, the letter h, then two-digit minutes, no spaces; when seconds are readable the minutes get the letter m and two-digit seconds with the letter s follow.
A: 11h01m08s
